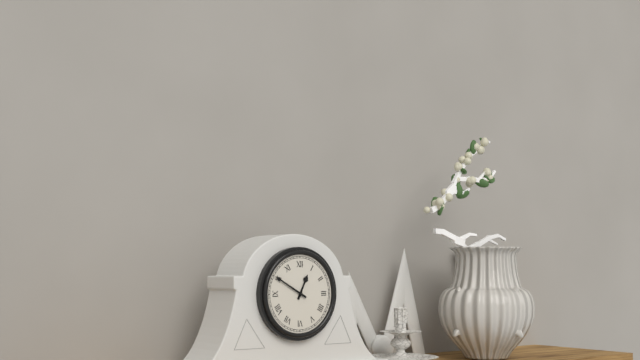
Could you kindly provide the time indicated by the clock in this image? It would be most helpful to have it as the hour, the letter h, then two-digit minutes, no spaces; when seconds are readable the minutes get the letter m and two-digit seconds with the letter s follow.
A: 12h50
